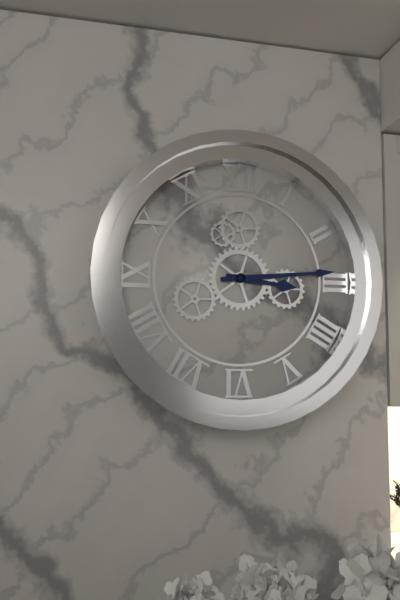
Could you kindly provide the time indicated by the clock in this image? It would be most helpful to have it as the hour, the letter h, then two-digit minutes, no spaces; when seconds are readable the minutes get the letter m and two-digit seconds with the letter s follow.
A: 3h14
